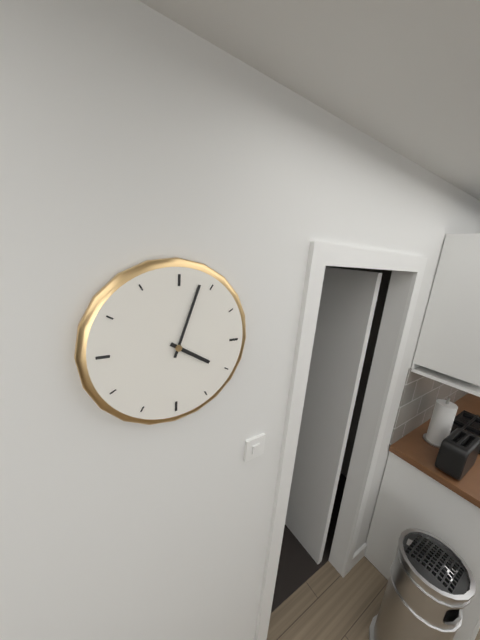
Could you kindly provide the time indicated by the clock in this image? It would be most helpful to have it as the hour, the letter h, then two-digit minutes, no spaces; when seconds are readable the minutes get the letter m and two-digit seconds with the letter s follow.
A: 4h03
